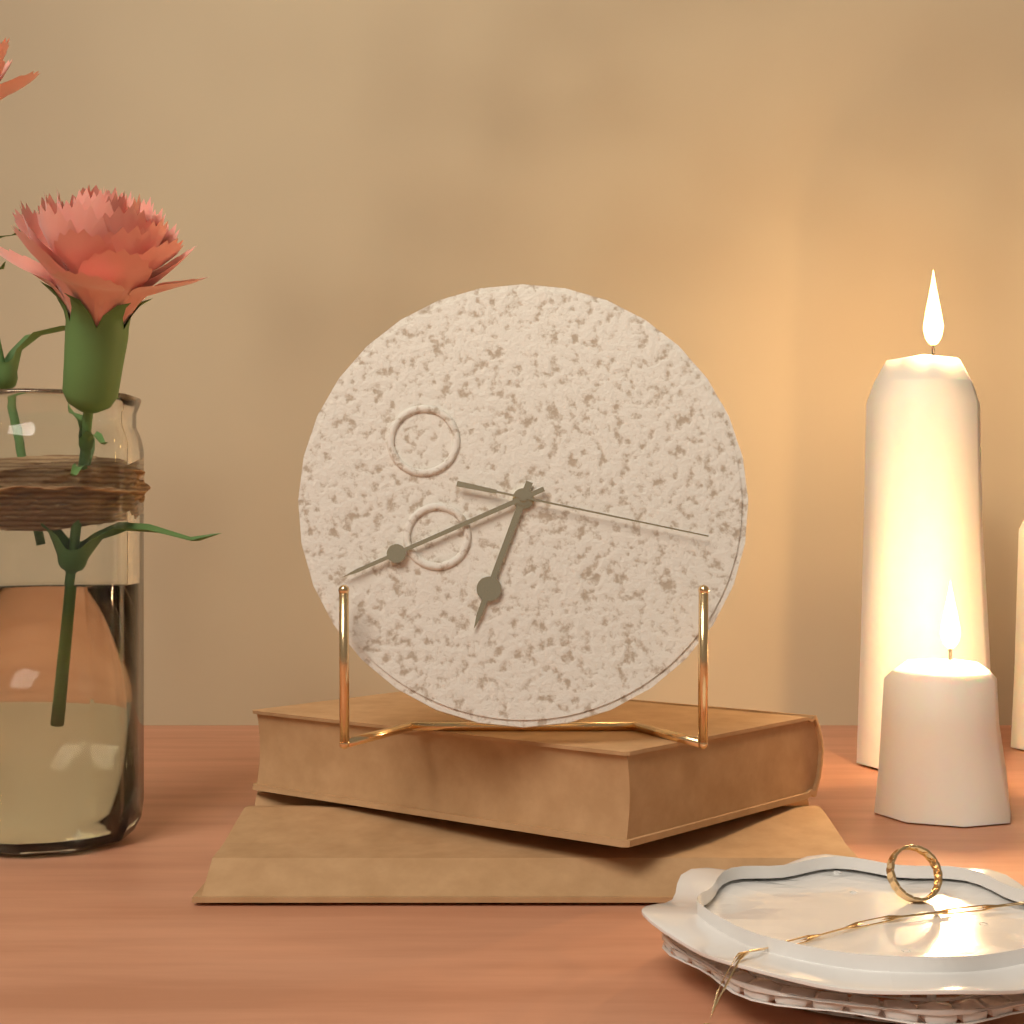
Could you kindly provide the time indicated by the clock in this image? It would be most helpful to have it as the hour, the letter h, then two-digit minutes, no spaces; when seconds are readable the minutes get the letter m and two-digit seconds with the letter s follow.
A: 6h41m17s
